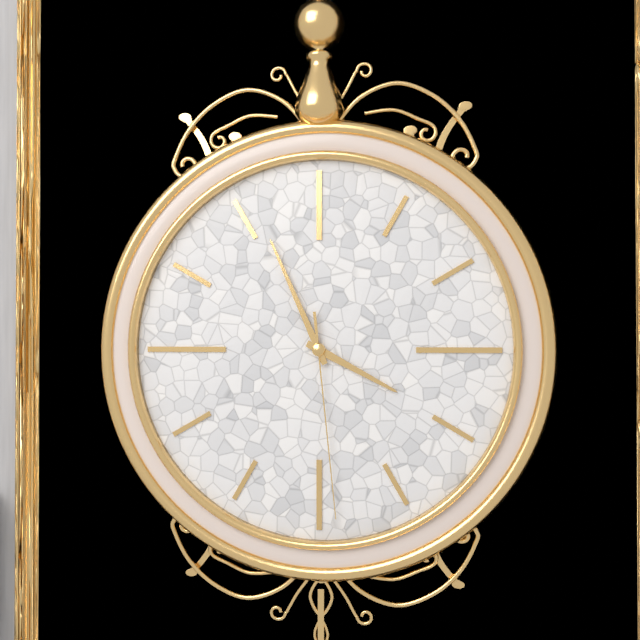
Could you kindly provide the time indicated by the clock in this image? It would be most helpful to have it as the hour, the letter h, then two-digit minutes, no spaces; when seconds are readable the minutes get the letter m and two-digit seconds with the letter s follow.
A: 3h56m29s
